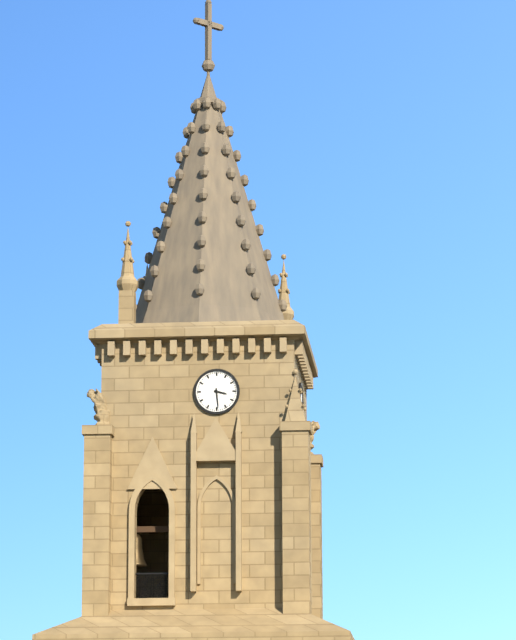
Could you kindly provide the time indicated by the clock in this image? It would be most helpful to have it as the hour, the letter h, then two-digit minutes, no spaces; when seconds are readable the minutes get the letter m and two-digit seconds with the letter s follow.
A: 3h29
